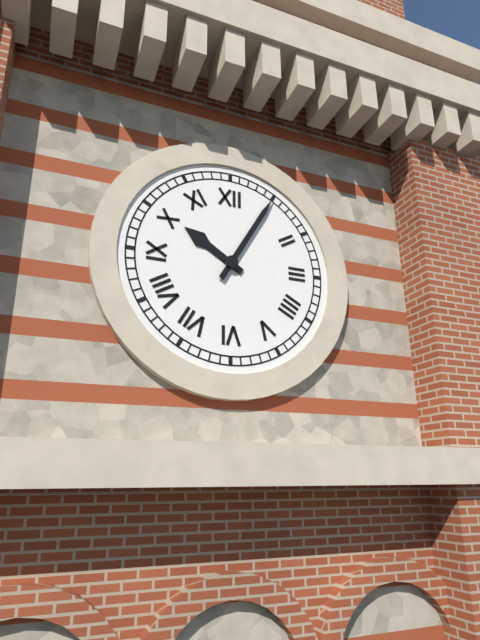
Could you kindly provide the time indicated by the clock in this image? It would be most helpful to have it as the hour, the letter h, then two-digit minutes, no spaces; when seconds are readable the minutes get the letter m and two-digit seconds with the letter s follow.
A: 10h05
